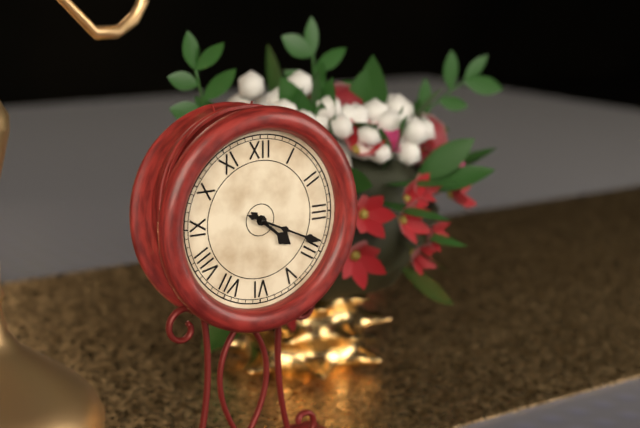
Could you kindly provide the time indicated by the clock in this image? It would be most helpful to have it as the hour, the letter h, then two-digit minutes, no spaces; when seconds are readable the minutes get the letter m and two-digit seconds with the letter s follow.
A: 4h19
